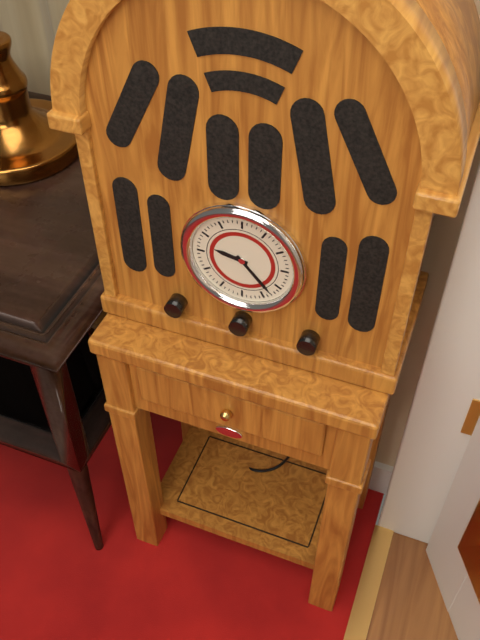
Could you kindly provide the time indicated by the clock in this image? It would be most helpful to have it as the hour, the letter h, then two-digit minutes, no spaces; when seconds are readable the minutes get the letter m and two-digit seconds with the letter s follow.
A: 9h23
